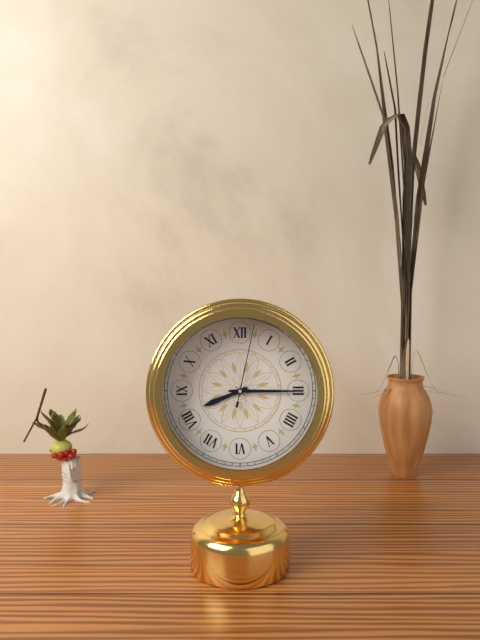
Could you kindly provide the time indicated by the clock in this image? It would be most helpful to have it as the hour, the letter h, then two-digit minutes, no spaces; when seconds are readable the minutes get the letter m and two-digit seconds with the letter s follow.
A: 8h15m02s
